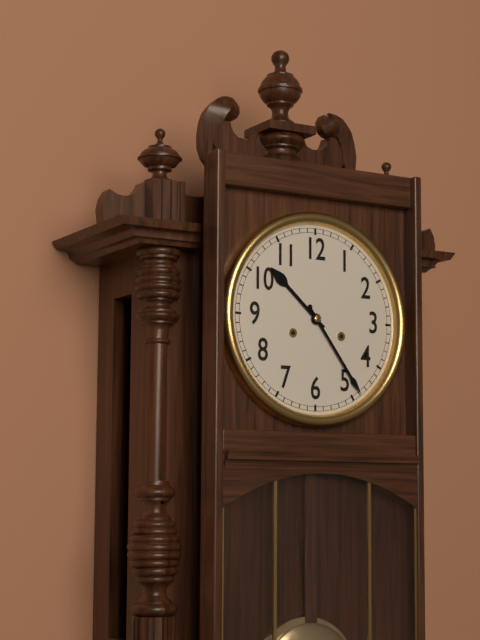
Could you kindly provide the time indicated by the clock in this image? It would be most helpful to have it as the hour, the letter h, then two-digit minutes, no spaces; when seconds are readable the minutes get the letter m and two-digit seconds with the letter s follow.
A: 10h24
